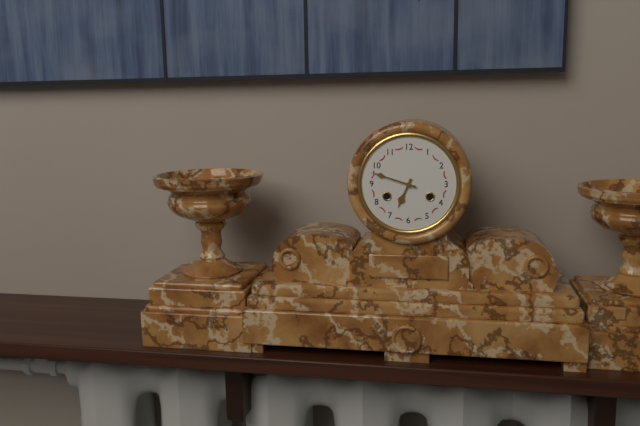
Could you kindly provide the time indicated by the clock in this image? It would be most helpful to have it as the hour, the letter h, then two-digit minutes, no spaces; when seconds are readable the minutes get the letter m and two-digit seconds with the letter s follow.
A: 6h48
